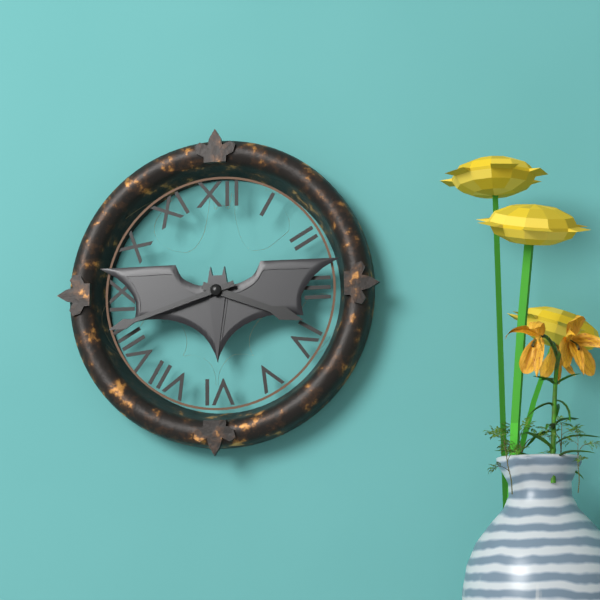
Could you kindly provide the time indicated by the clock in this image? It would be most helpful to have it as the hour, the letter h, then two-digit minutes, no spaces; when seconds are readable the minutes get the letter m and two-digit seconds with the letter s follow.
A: 3h42
